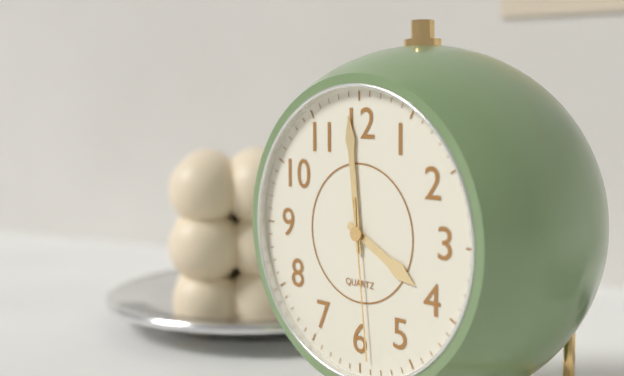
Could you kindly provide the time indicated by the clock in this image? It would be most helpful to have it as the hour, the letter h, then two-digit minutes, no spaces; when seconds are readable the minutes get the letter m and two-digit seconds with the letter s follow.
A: 3h59m29s
